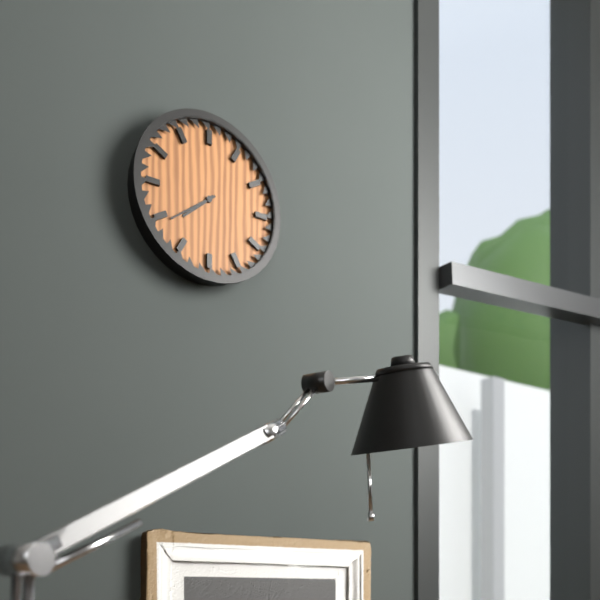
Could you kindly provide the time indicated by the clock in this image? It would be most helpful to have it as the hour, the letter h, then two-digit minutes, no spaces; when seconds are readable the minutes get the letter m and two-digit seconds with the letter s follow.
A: 7h39
